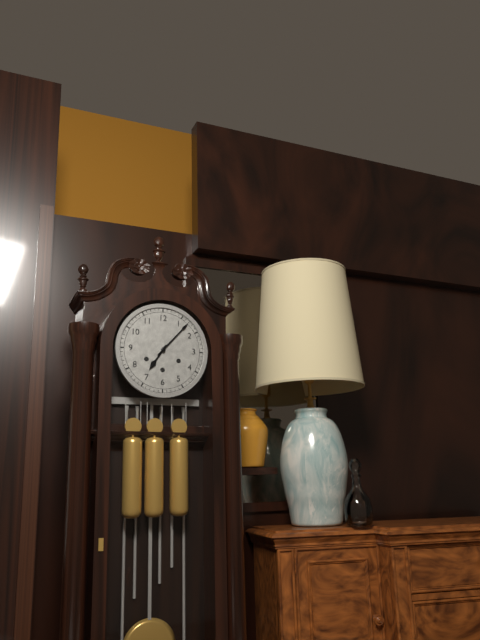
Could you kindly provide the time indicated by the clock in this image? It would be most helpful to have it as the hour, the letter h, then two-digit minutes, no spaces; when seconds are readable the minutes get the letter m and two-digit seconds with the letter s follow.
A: 7h07
